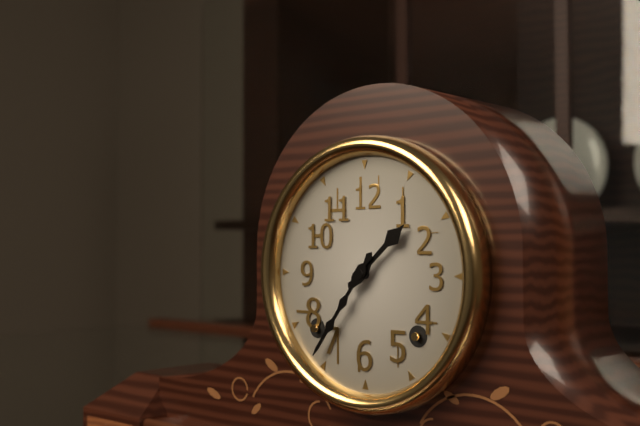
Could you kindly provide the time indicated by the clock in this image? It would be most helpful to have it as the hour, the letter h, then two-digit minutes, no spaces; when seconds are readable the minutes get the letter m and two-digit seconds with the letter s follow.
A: 1h36
